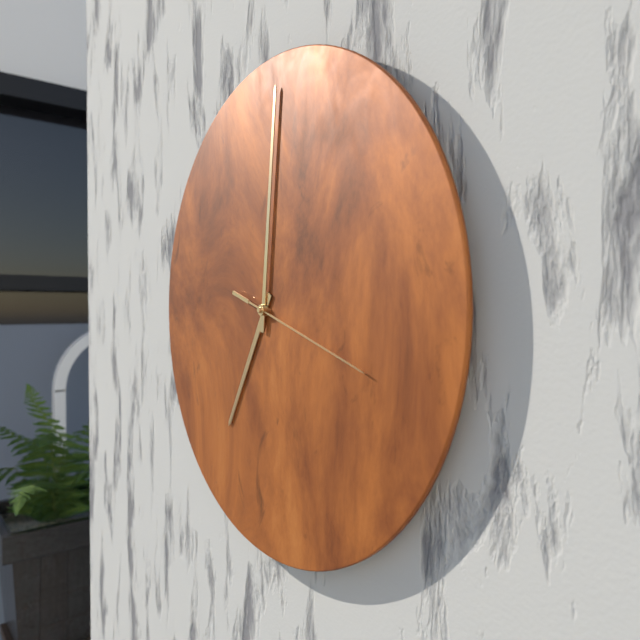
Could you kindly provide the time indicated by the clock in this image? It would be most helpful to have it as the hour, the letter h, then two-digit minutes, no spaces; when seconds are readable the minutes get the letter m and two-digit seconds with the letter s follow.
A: 7h01m18s
